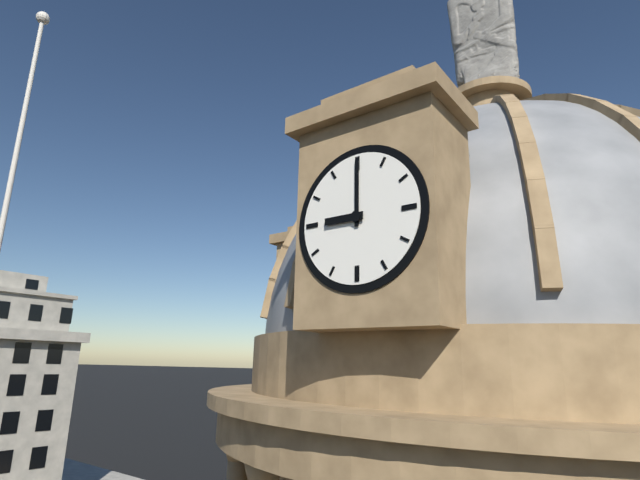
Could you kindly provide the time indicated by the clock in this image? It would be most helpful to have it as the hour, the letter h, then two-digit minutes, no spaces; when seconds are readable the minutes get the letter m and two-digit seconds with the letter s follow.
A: 9h00
